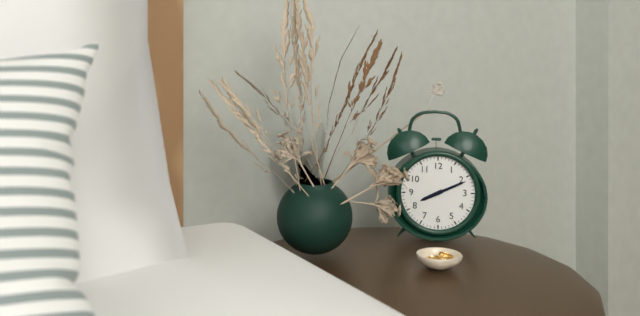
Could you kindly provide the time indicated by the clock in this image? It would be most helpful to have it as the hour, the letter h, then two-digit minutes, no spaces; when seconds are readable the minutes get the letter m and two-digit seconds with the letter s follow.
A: 8h11
